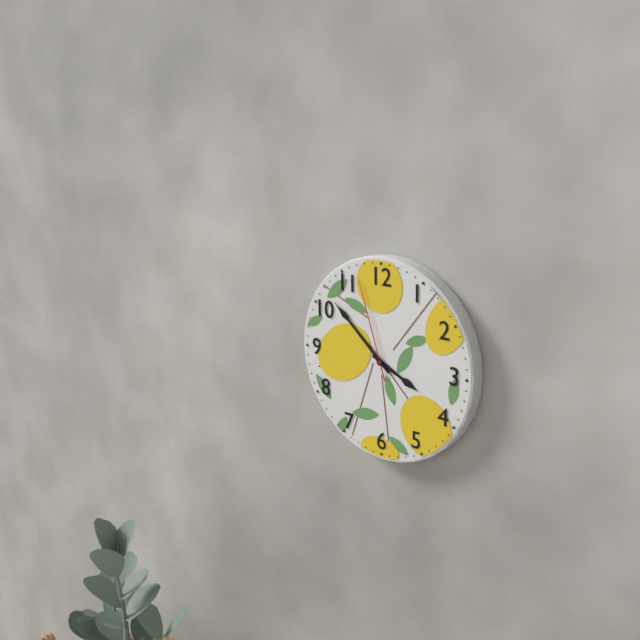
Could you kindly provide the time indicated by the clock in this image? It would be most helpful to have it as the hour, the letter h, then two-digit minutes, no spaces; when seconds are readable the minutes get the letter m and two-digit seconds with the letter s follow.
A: 3h52m57s
